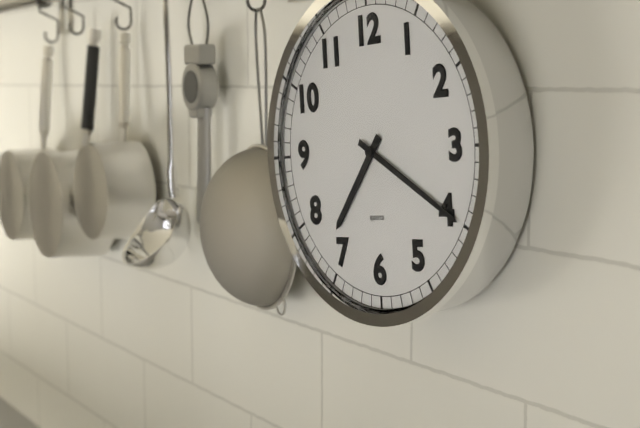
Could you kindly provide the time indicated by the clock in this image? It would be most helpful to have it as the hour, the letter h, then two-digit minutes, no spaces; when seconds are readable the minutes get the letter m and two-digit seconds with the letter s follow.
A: 7h20
